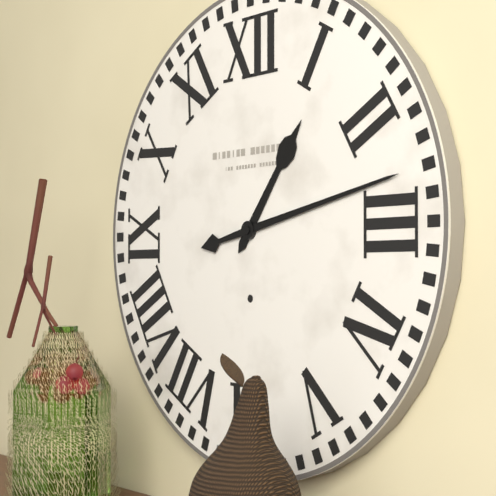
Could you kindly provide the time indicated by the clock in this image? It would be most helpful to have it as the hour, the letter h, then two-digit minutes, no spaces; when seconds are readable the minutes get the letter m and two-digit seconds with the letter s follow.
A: 1h13
